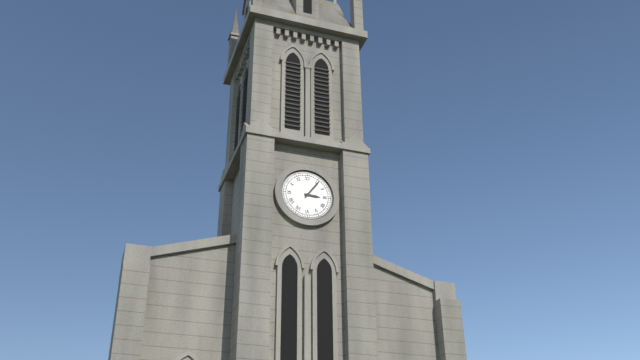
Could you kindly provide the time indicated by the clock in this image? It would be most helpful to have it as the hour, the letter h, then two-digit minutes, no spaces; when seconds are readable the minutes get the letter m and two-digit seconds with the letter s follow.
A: 3h06
